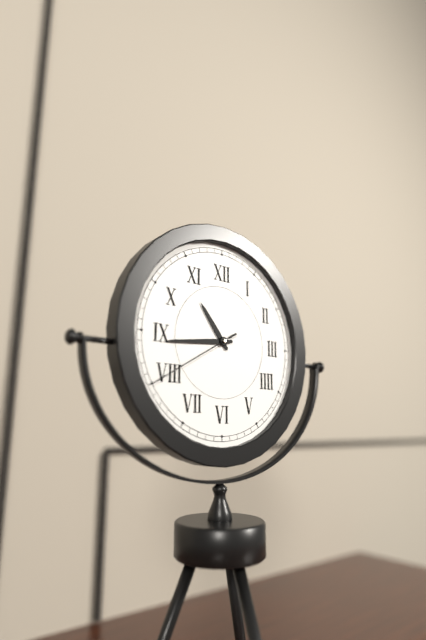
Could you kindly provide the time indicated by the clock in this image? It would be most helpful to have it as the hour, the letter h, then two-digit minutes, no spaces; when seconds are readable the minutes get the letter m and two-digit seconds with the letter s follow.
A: 10h44m40s
